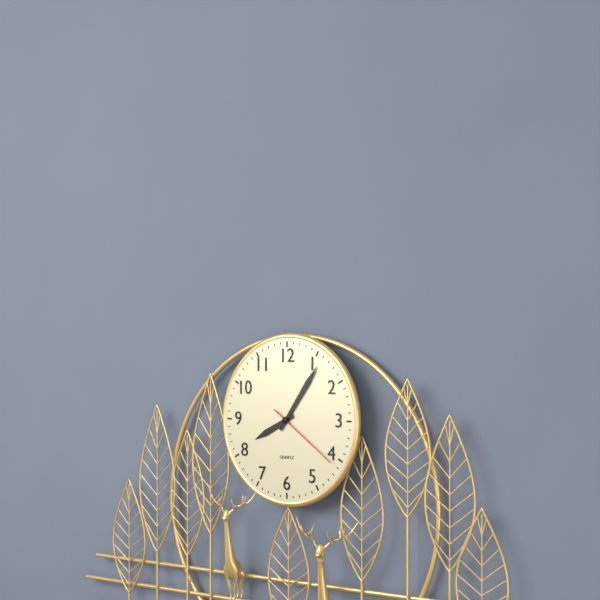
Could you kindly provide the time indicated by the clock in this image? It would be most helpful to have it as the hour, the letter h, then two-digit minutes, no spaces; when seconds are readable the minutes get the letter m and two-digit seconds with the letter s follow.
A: 8h06m21s
